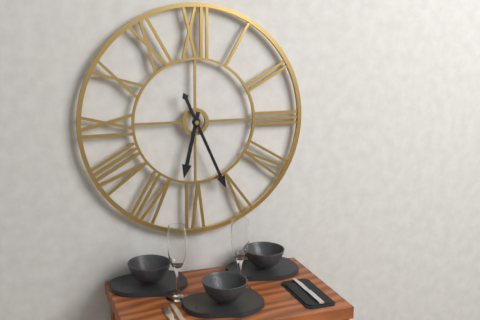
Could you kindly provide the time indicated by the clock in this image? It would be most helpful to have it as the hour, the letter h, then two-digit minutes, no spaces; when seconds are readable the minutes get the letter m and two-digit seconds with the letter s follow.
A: 6h26
